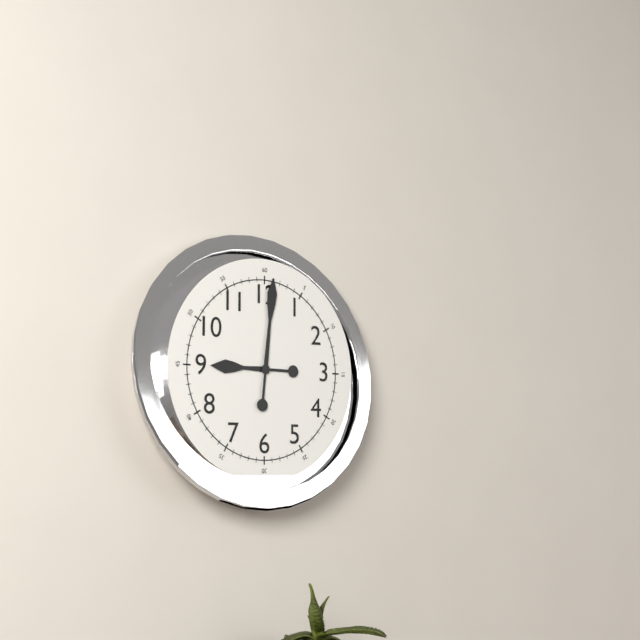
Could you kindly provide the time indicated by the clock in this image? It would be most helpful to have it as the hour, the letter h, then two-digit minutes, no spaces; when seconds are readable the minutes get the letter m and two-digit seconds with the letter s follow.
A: 9h01
